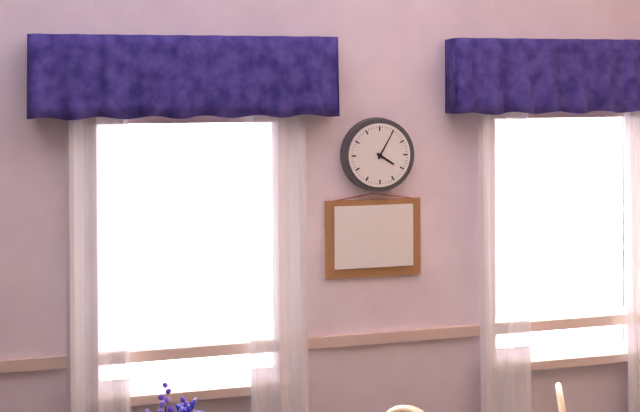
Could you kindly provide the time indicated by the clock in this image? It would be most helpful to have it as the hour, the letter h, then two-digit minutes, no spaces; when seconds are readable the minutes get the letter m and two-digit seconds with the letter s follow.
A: 4h05
